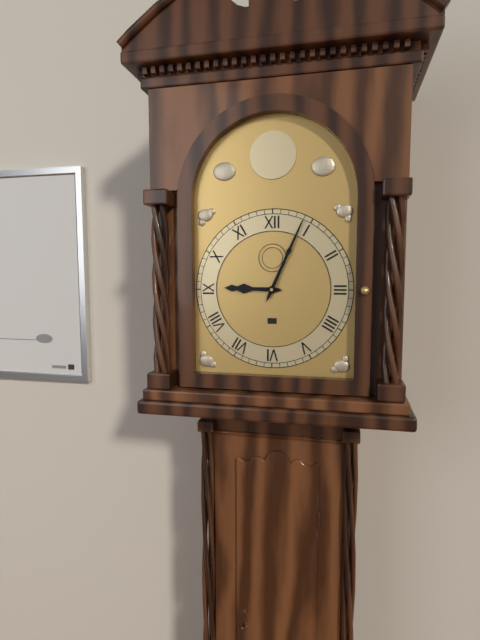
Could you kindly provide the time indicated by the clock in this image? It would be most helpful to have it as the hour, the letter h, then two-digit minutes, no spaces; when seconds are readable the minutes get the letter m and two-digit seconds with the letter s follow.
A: 9h04
